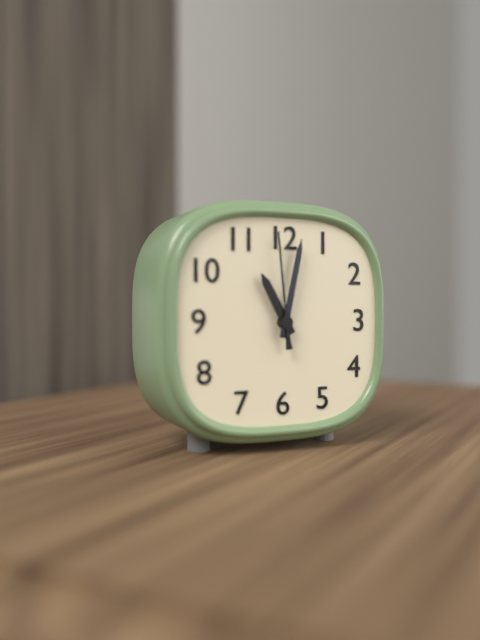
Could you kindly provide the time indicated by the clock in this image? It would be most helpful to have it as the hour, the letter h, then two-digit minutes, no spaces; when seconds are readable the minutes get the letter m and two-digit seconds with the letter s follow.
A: 11h02m59s
